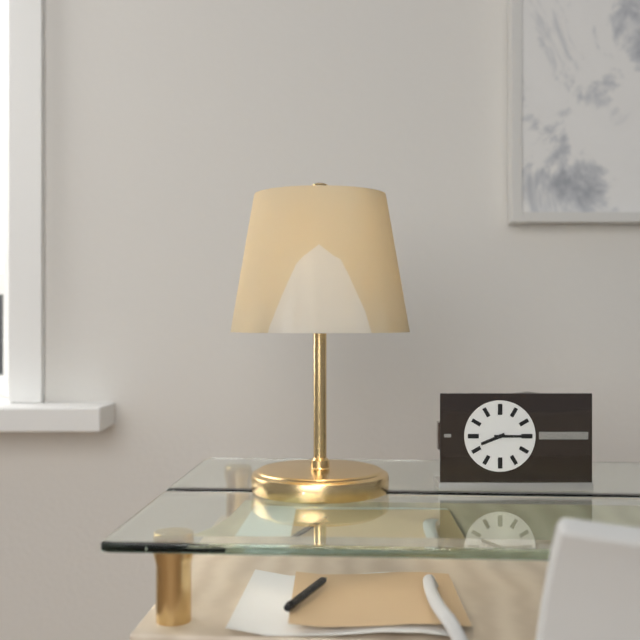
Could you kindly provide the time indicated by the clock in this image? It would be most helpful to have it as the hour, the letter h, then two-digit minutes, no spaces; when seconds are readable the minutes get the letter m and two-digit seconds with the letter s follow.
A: 8h15
